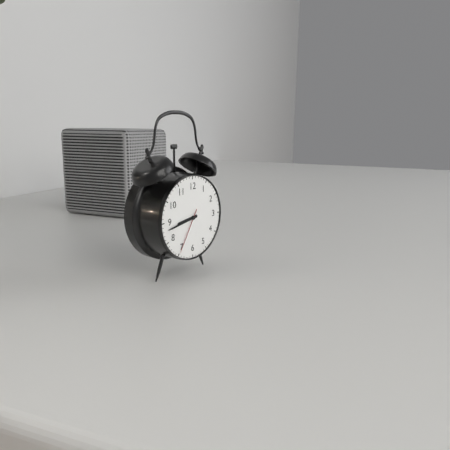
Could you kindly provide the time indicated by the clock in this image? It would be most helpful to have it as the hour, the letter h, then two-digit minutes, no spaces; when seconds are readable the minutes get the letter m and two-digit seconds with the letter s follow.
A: 8h43
